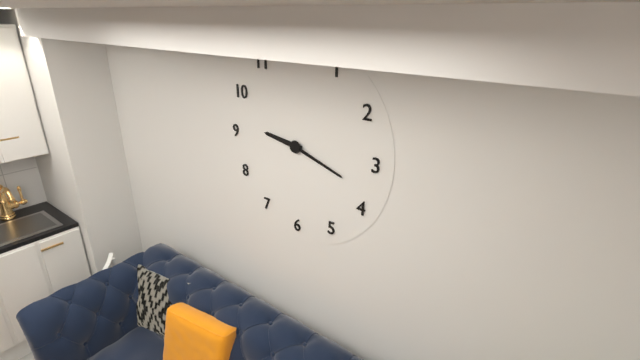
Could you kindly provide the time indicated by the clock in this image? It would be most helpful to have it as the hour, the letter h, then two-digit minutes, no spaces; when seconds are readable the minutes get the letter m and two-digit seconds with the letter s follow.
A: 9h18
